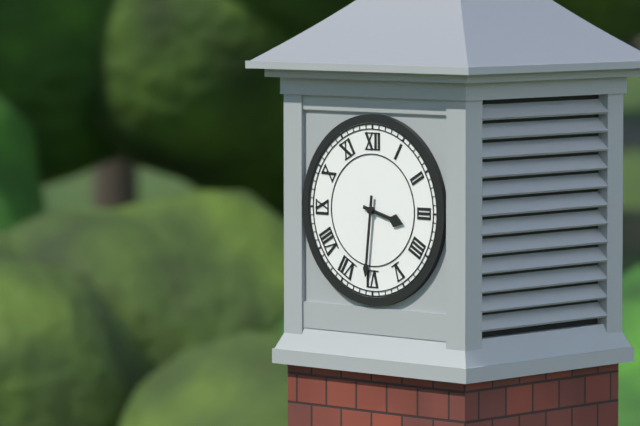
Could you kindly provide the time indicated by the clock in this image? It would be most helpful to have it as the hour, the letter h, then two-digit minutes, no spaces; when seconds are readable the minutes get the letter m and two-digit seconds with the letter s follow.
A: 3h31
